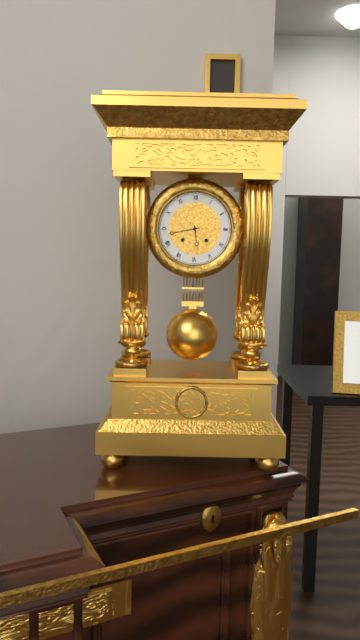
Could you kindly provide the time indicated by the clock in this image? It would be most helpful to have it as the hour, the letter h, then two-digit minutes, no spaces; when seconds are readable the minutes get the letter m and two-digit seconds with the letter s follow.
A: 5h43
